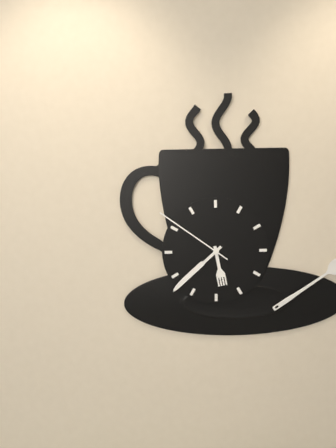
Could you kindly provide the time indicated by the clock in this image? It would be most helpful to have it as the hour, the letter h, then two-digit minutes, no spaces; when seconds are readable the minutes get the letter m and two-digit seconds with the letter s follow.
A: 5h38m51s
